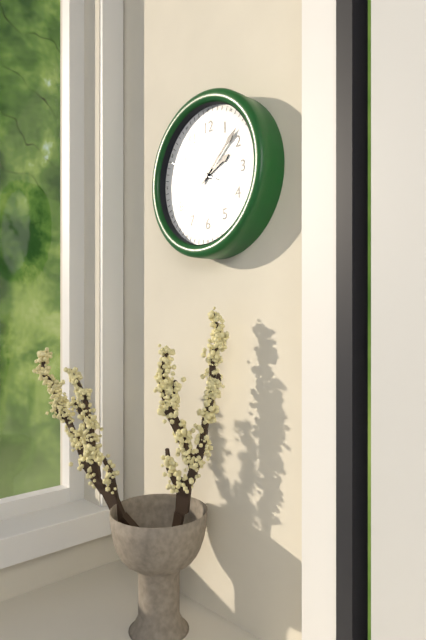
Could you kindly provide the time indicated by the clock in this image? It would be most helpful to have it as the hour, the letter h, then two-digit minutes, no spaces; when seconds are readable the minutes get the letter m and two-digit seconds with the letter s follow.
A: 2h08
